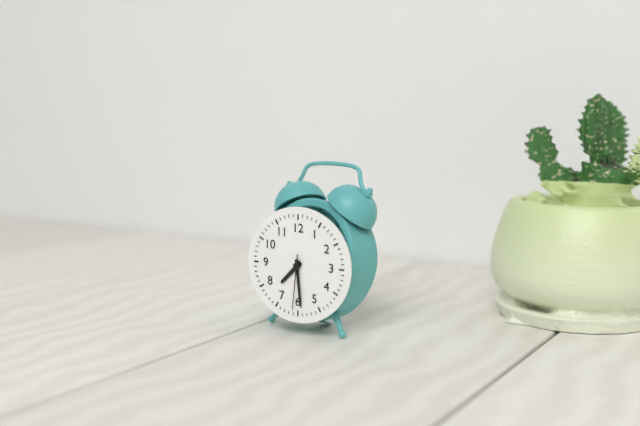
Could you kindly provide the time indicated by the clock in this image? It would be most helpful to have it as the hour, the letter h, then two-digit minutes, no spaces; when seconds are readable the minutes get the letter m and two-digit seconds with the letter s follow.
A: 7h29m31s
